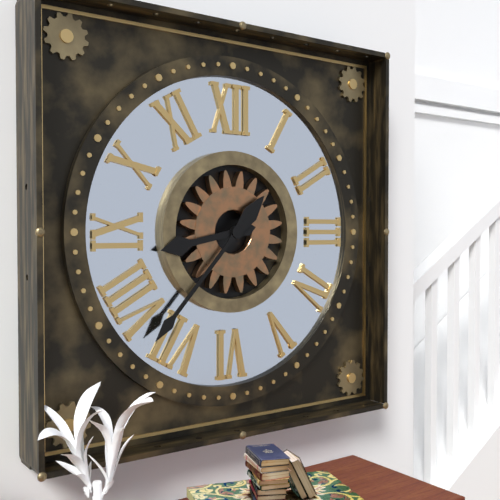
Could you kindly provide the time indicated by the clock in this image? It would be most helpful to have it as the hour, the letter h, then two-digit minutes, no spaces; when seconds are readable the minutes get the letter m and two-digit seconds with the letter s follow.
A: 8h37
